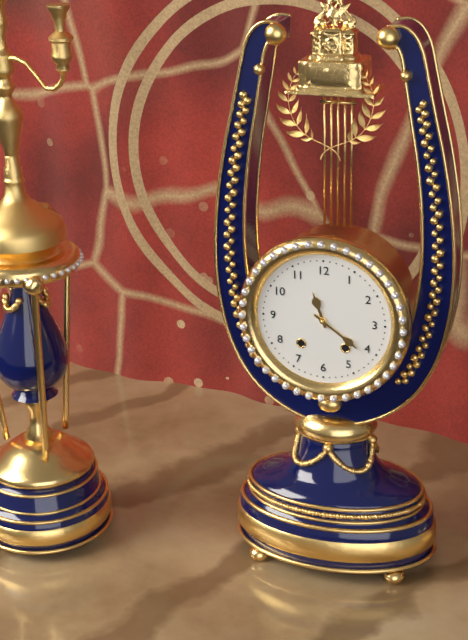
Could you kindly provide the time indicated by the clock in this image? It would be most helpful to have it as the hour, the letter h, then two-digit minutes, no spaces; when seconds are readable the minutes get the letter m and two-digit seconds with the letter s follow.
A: 11h21
